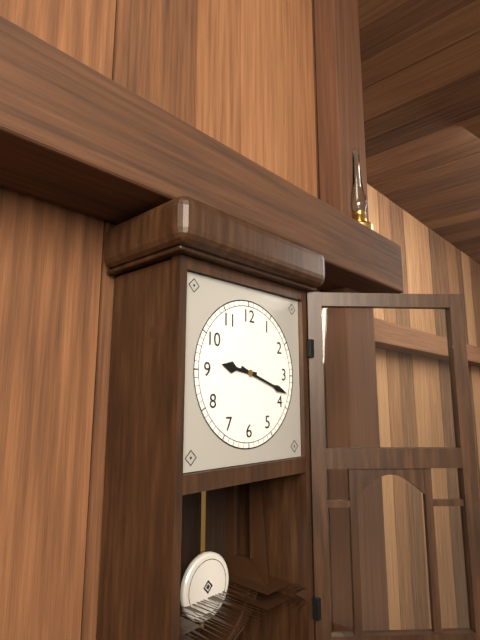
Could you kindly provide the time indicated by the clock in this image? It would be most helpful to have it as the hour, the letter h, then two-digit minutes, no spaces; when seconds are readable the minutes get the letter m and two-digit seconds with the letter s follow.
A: 9h18
